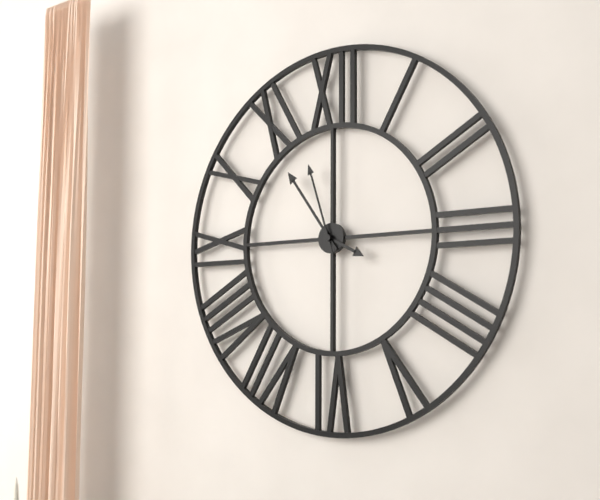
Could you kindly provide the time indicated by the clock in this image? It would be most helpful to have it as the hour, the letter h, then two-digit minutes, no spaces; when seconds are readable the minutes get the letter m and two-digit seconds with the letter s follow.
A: 3h54m57s
